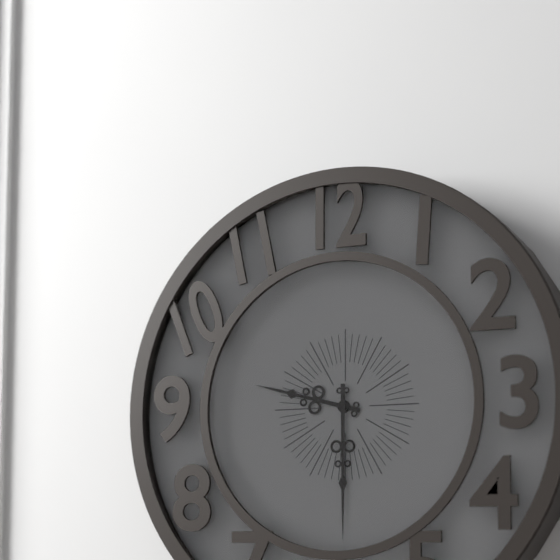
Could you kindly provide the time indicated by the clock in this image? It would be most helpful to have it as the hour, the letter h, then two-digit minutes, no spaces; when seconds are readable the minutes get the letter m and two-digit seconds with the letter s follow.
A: 9h30
